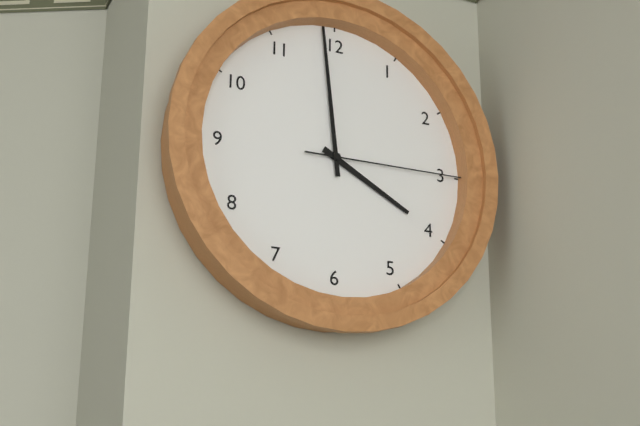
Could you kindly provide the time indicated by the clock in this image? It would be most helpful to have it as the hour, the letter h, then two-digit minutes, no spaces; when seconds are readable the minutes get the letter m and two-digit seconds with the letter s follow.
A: 3h59m15s
